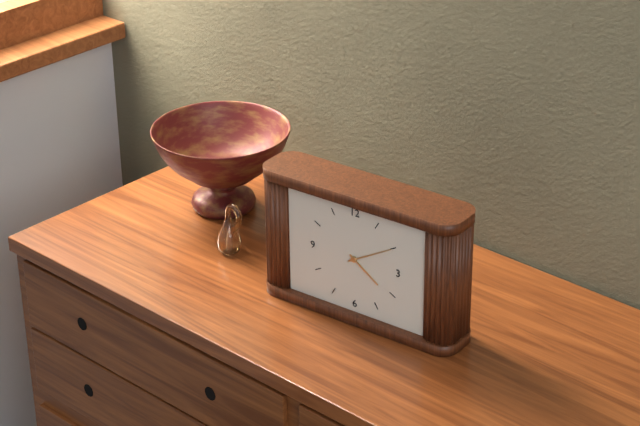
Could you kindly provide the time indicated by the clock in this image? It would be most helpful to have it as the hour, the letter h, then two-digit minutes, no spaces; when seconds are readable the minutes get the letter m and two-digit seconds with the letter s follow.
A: 4h10
